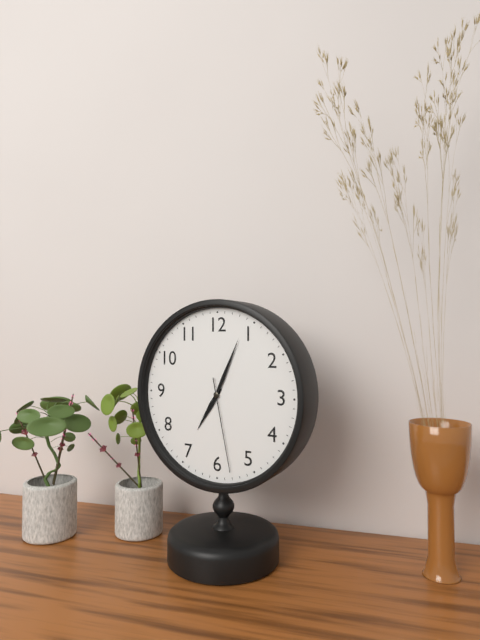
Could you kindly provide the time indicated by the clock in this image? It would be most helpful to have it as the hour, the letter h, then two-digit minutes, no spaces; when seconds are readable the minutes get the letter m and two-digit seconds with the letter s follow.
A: 7h04m28s
